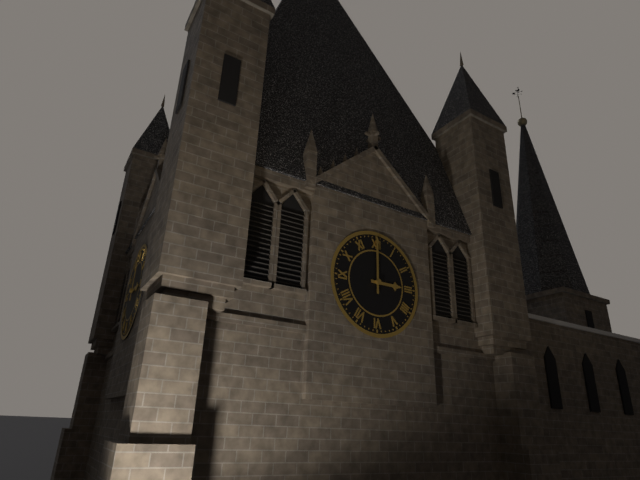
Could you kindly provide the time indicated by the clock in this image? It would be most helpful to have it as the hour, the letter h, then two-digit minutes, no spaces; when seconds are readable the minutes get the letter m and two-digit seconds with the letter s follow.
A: 3h00
